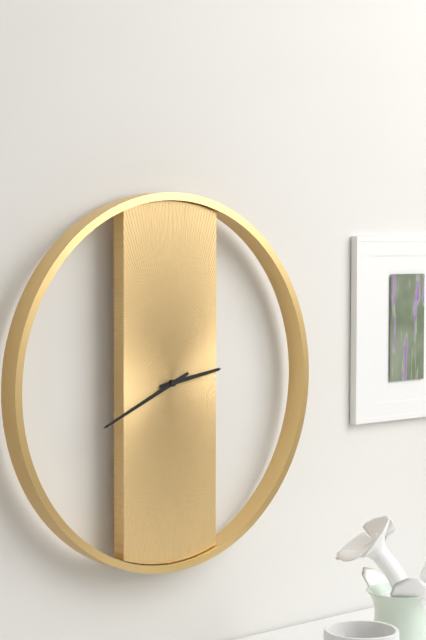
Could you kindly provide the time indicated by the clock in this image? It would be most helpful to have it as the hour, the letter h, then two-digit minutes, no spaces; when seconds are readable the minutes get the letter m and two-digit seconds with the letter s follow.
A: 2h41
